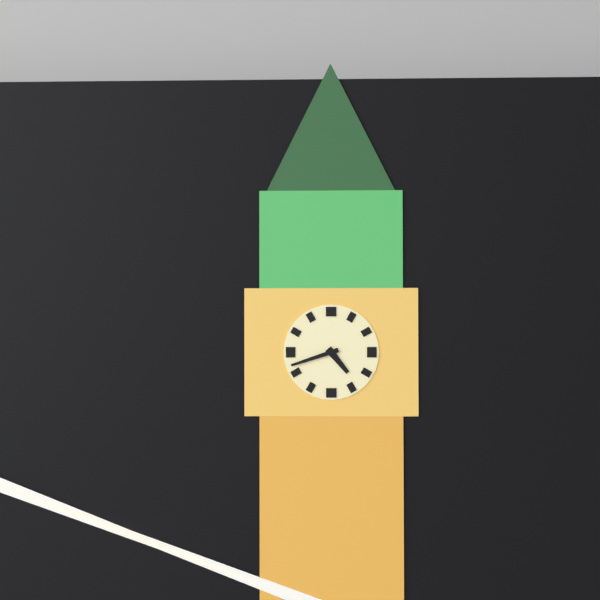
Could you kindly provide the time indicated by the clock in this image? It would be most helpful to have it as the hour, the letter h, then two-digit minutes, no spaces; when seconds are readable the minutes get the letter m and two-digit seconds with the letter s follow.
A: 4h42
